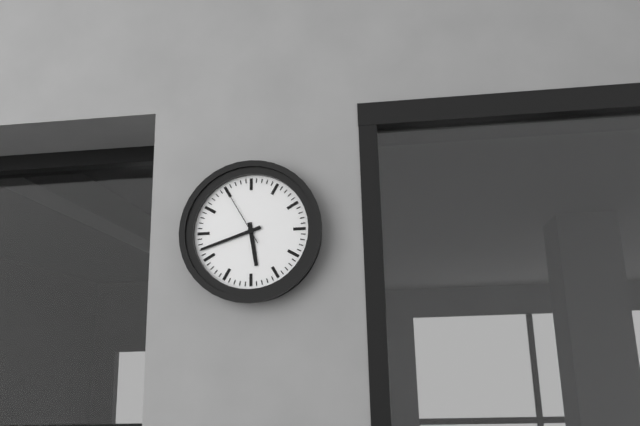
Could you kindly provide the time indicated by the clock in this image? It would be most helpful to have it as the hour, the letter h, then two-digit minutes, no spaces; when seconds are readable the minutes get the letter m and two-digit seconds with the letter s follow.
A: 5h42m55s
